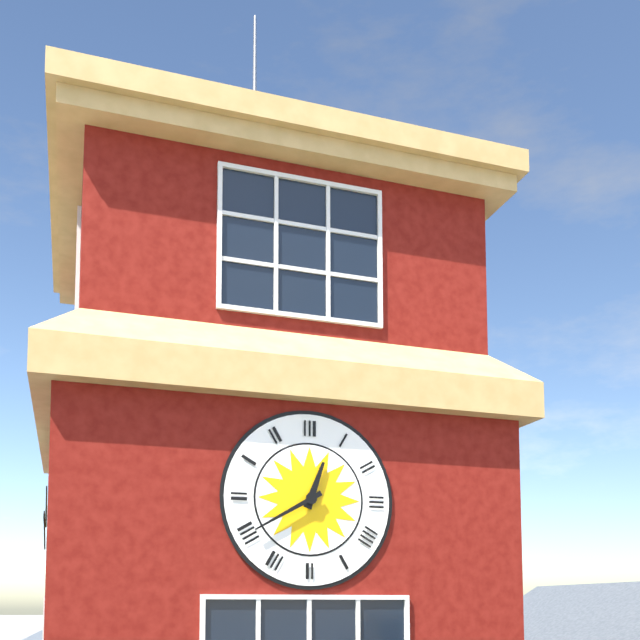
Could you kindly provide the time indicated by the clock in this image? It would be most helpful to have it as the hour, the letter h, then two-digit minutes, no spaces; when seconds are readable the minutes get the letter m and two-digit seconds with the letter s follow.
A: 12h40
